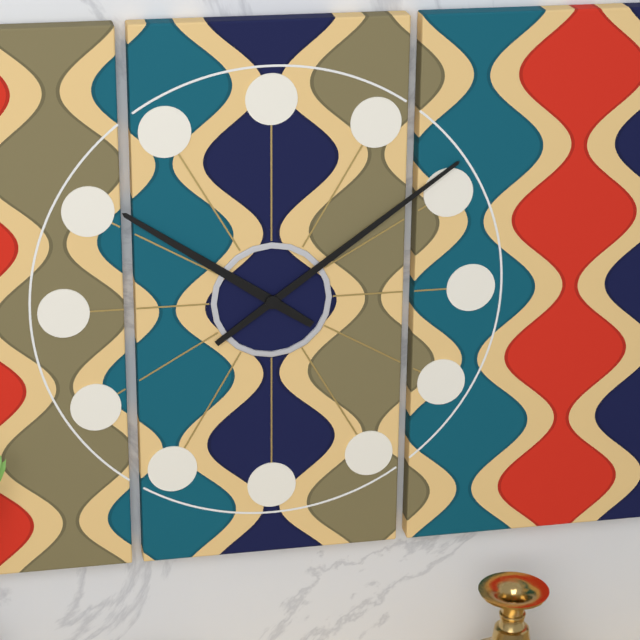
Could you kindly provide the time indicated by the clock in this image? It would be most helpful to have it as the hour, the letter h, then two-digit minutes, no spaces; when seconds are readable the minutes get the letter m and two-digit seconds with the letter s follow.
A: 10h09
